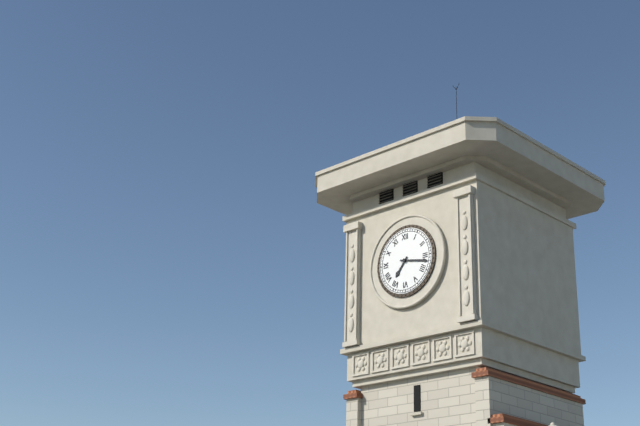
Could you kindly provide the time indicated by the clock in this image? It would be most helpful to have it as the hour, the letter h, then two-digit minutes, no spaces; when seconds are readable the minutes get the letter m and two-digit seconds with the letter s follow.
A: 7h17
